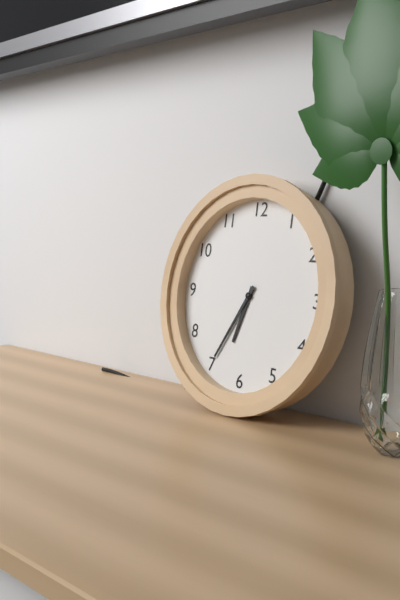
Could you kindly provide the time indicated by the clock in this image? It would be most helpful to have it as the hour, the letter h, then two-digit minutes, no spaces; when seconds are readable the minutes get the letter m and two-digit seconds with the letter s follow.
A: 6h35
